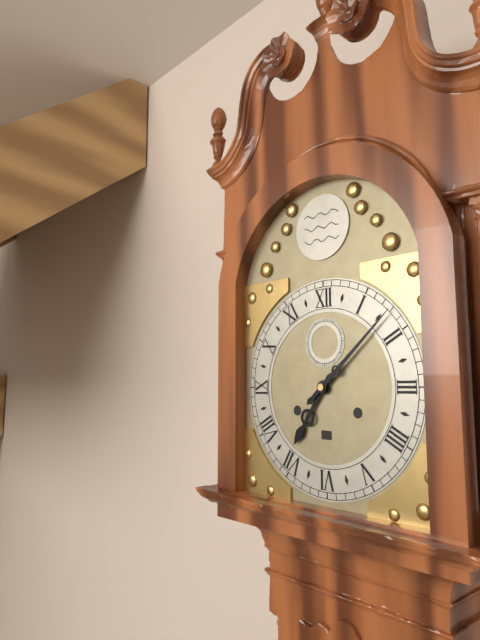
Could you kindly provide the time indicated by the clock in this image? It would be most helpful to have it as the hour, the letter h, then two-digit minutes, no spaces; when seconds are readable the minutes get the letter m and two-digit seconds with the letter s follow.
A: 7h08
